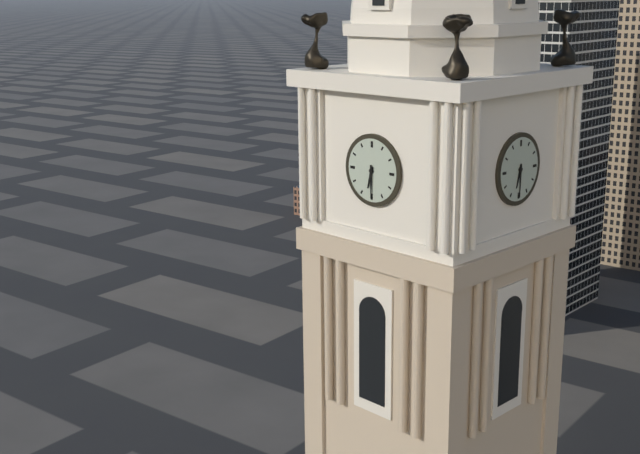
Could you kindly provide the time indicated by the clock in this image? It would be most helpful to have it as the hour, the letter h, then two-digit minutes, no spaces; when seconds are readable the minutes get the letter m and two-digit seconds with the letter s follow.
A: 6h30
